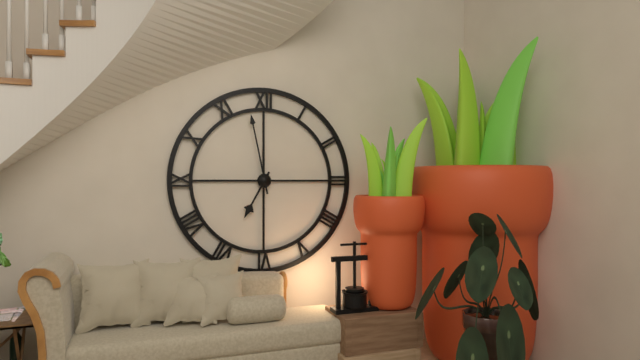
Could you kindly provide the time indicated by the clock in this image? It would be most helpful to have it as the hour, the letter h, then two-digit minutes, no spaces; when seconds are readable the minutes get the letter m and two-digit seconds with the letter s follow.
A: 6h58
